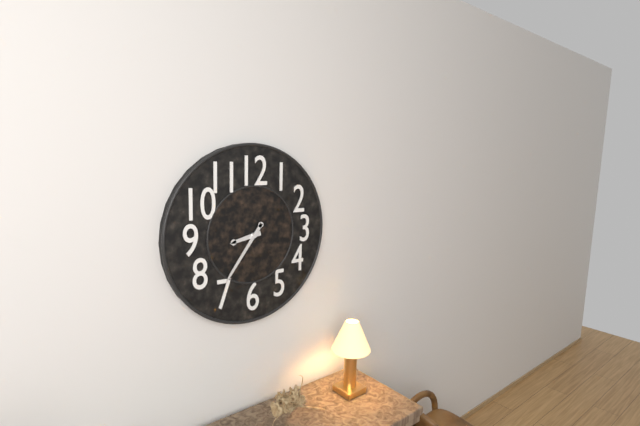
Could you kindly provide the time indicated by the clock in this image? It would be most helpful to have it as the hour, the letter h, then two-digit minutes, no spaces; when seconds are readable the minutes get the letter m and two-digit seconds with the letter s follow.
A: 8h36
